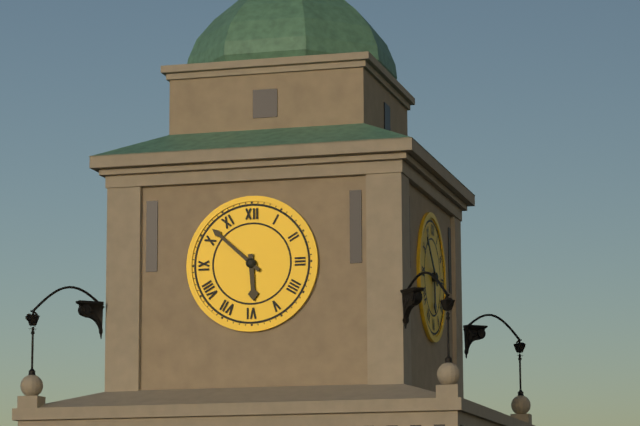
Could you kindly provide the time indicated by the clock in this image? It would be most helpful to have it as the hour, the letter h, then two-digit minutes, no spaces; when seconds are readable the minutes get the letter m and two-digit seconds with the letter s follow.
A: 5h52
